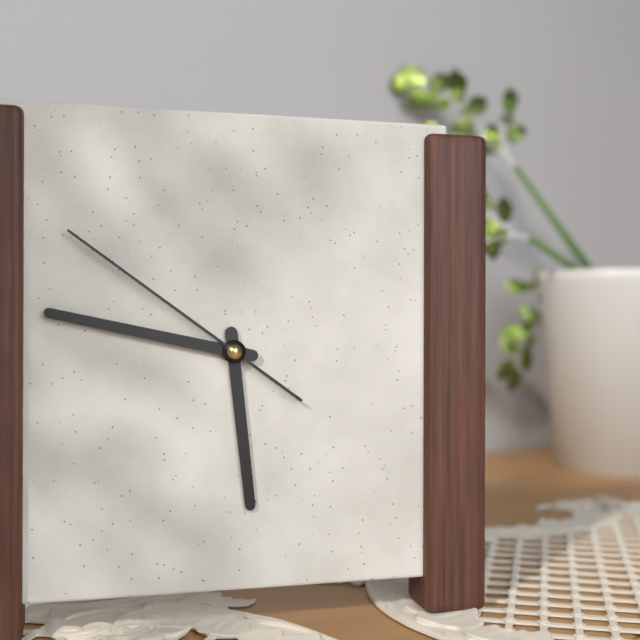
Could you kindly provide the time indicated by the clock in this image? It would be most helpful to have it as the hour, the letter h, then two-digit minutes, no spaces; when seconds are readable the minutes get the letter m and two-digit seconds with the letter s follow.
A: 5h47m51s
